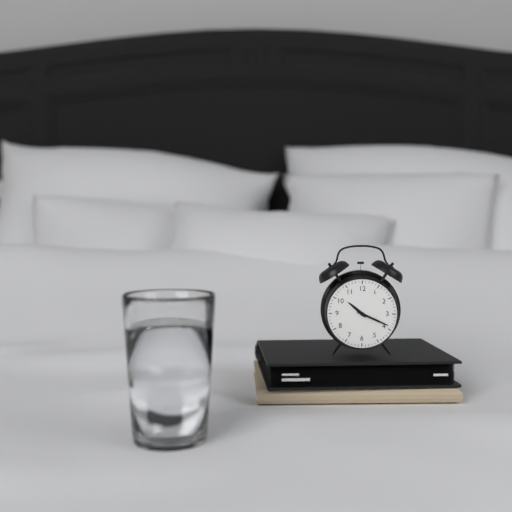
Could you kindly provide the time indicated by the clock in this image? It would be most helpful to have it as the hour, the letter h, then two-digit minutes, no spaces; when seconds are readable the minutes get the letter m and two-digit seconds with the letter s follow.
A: 10h19
